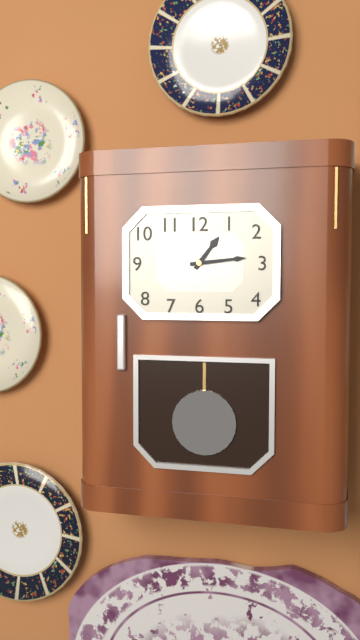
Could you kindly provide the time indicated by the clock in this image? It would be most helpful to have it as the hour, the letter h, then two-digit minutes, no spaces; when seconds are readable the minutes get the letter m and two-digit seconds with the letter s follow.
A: 1h14
